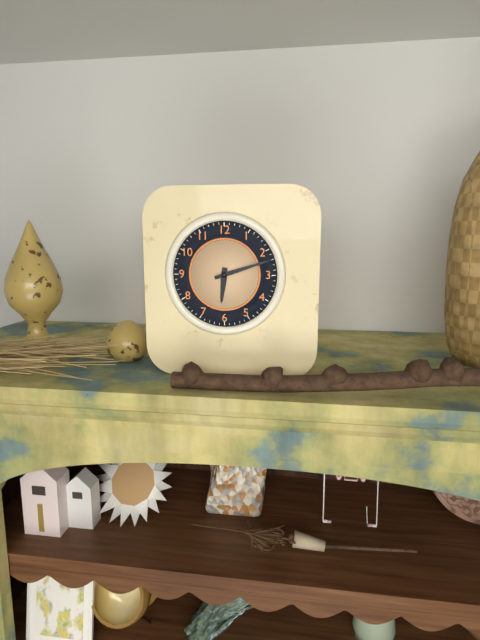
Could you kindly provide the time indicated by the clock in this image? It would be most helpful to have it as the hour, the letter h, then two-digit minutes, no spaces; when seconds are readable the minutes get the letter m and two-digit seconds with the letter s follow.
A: 6h12
